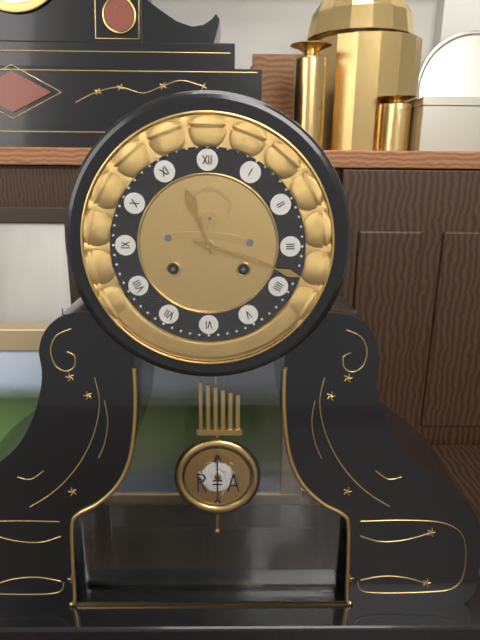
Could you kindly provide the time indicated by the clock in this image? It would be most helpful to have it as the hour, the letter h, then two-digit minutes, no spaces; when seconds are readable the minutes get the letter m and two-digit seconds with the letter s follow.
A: 11h18
